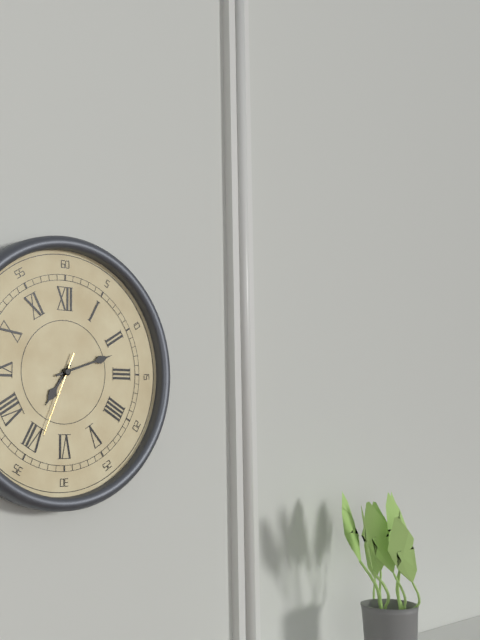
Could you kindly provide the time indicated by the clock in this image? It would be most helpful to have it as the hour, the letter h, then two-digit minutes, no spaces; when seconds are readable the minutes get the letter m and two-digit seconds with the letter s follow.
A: 7h12m34s
